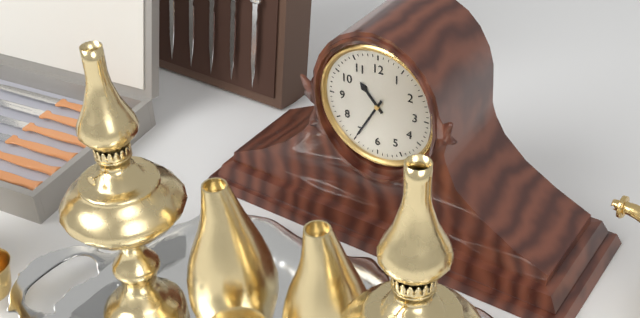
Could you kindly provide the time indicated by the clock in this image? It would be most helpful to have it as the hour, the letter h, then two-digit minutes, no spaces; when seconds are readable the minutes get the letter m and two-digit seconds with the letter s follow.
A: 10h35
